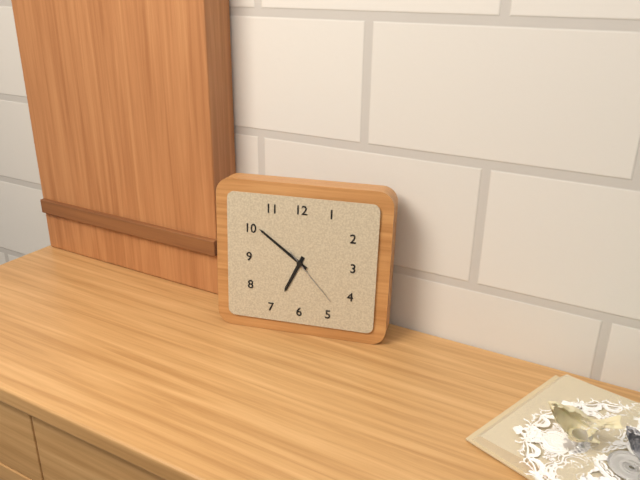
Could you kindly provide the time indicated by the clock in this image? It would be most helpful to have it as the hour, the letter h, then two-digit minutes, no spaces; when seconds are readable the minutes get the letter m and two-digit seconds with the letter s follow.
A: 6h51m23s
